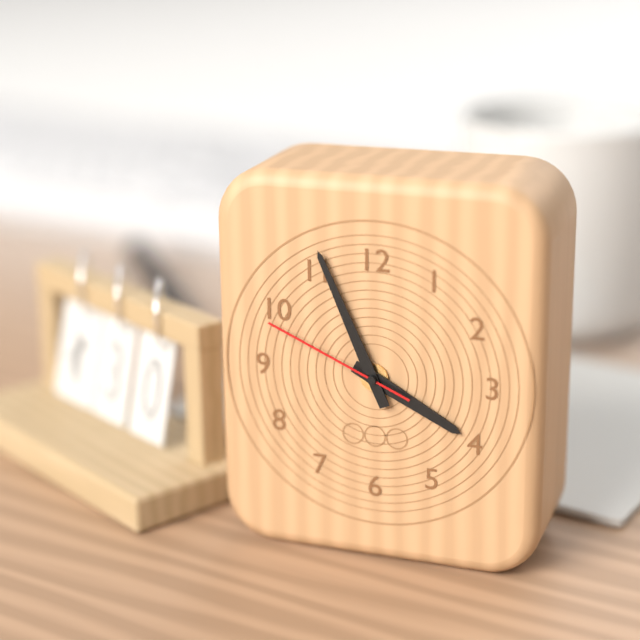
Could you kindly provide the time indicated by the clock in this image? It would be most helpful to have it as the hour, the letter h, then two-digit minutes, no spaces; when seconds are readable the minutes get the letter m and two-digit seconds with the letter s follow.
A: 3h56m49s
